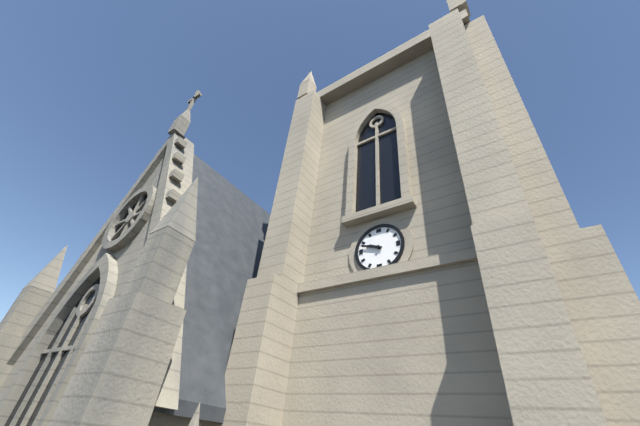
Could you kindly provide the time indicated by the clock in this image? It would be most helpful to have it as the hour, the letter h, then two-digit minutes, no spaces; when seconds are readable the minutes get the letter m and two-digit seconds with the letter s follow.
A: 9h48
